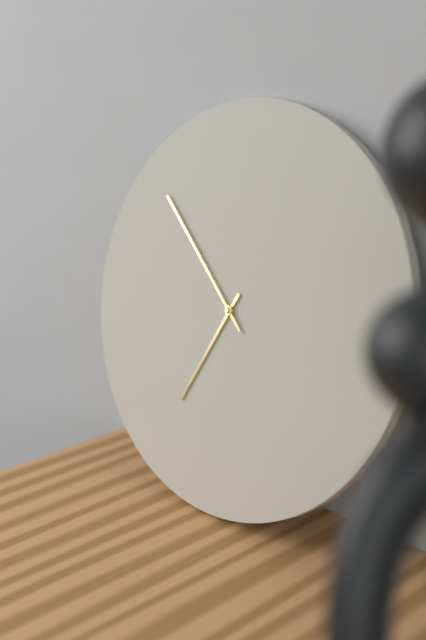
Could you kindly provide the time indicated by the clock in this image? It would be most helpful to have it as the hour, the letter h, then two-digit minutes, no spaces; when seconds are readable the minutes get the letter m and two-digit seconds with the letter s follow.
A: 6h52
